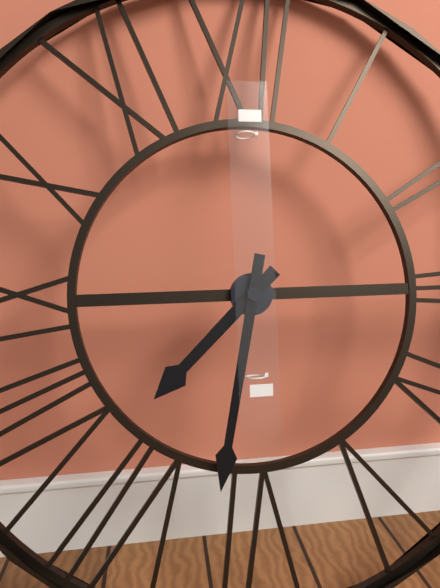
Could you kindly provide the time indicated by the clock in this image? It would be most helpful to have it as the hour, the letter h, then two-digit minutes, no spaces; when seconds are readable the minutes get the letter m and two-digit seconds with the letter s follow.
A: 7h32
